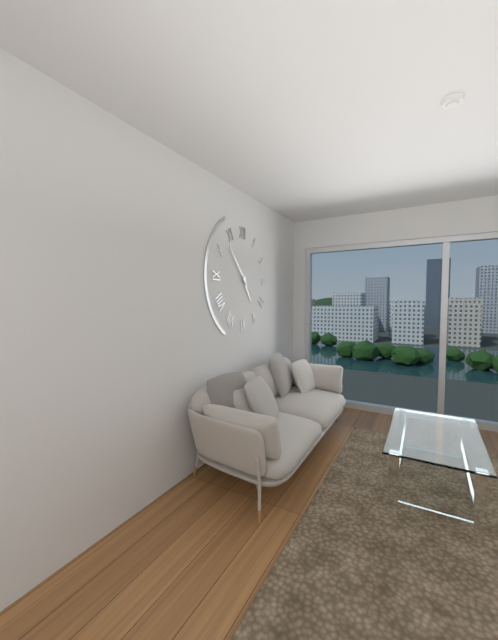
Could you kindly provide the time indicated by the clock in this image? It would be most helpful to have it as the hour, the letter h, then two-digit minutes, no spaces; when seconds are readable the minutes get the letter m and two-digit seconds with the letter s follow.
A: 4h53
